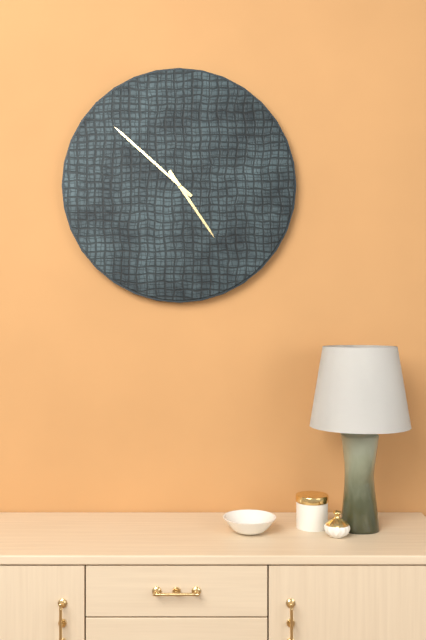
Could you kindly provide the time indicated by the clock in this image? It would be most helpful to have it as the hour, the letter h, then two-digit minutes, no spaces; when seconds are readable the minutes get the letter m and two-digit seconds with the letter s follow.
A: 4h52
